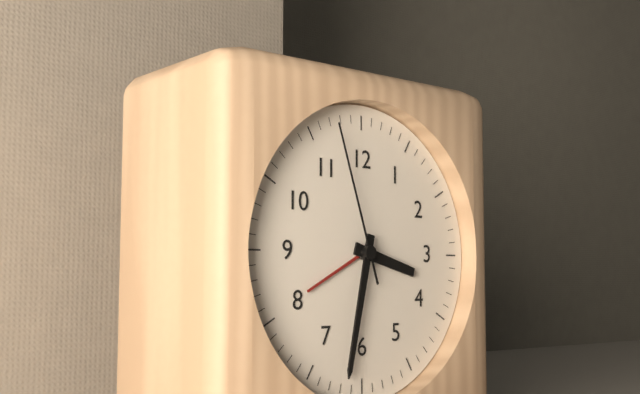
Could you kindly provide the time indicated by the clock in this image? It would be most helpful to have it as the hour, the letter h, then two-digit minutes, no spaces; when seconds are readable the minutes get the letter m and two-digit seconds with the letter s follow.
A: 3h32m57s
